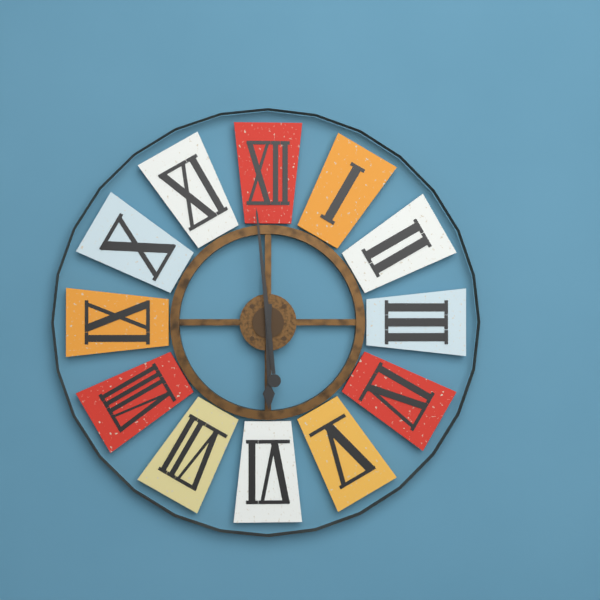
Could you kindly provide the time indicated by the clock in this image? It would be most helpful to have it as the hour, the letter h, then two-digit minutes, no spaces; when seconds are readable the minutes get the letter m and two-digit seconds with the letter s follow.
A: 5h59
